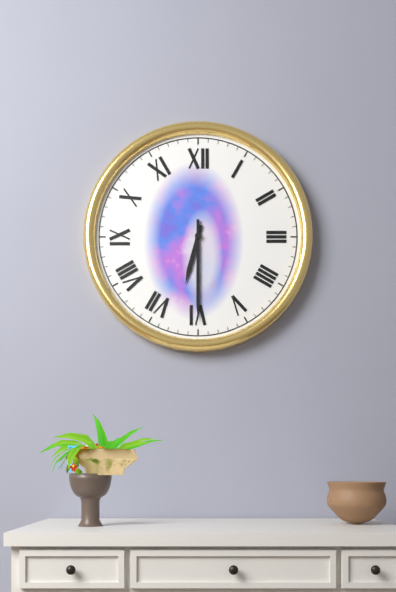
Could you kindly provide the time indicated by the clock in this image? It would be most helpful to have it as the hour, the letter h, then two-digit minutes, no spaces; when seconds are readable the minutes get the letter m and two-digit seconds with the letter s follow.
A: 6h30
